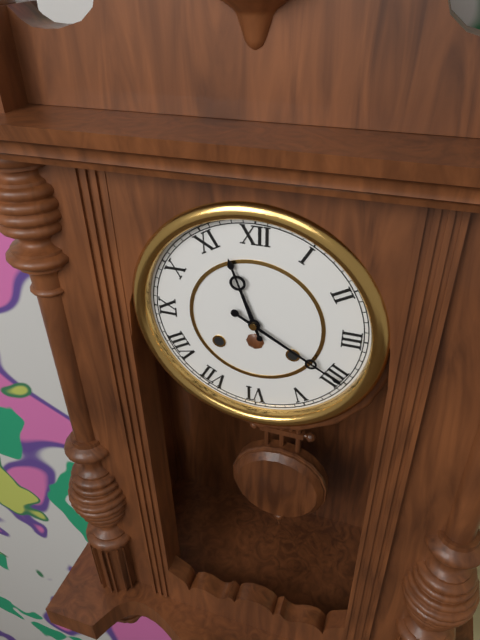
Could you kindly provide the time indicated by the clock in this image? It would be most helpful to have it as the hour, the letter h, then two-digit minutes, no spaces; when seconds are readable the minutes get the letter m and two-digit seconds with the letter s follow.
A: 11h20
